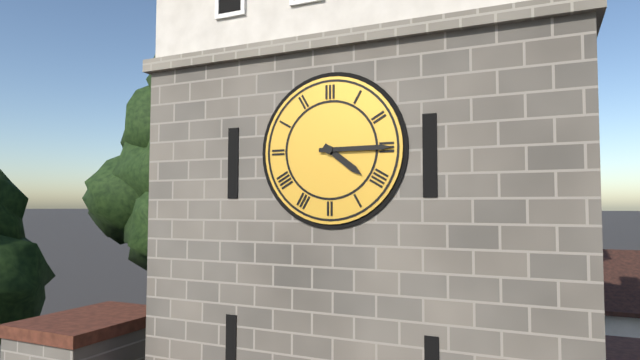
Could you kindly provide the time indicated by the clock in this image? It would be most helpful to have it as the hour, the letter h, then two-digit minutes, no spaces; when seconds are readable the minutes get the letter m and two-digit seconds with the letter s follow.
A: 4h15
